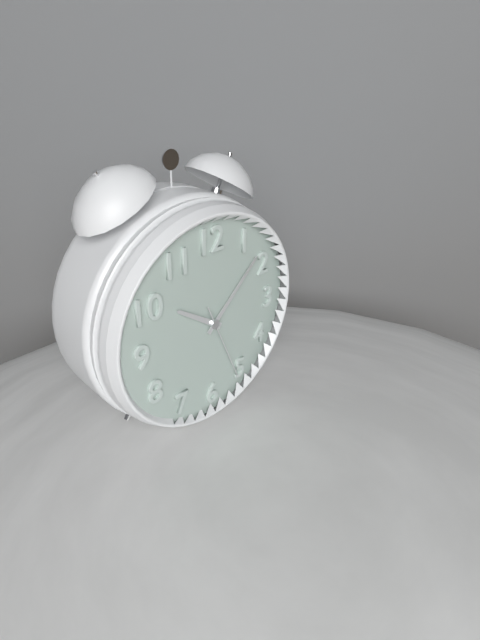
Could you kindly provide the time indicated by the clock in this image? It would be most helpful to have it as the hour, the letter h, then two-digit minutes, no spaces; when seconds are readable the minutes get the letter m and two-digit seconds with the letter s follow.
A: 10h08m26s
